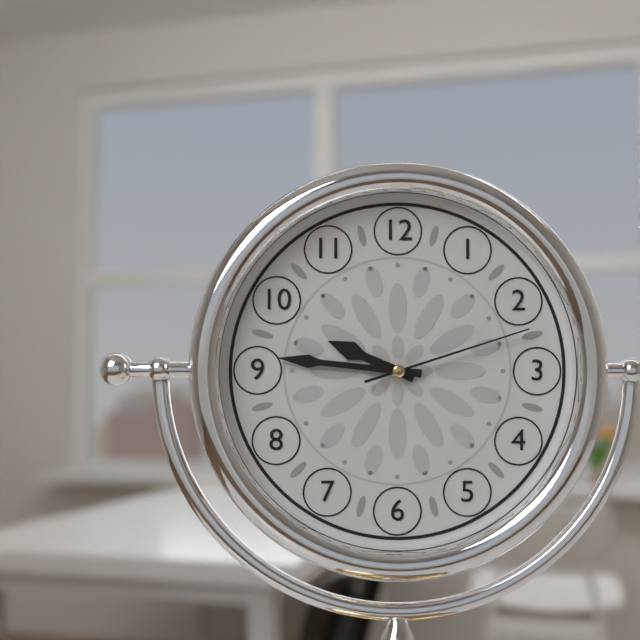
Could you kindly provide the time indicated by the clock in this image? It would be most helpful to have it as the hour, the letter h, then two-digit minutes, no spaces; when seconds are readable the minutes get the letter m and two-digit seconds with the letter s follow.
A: 9h46m12s
